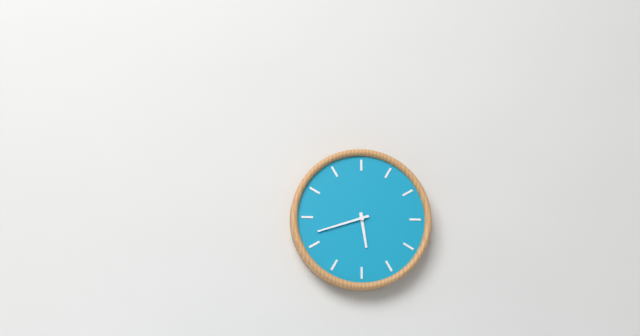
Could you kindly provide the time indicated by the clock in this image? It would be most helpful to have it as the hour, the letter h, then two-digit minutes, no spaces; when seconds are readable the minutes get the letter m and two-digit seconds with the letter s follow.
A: 5h42
